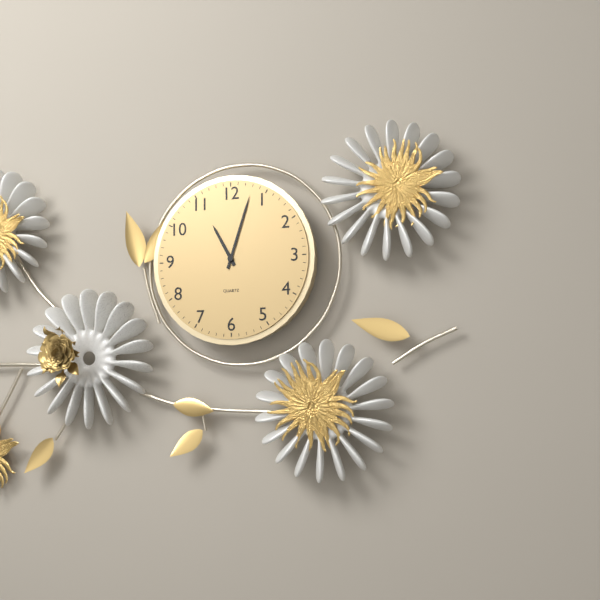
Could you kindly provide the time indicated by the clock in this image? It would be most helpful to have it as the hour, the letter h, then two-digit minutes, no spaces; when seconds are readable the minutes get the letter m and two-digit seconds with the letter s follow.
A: 11h03
